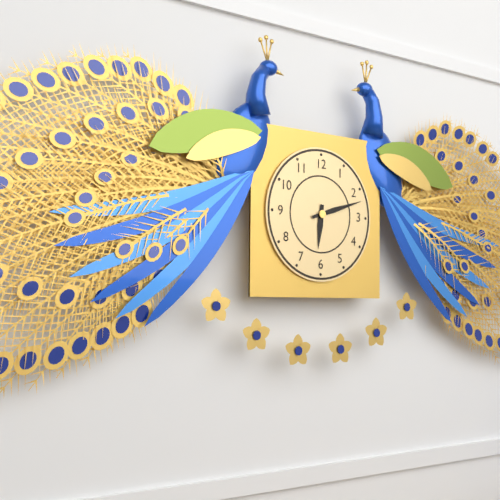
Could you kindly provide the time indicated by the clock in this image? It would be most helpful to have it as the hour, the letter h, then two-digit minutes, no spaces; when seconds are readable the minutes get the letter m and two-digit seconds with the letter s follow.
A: 6h12
